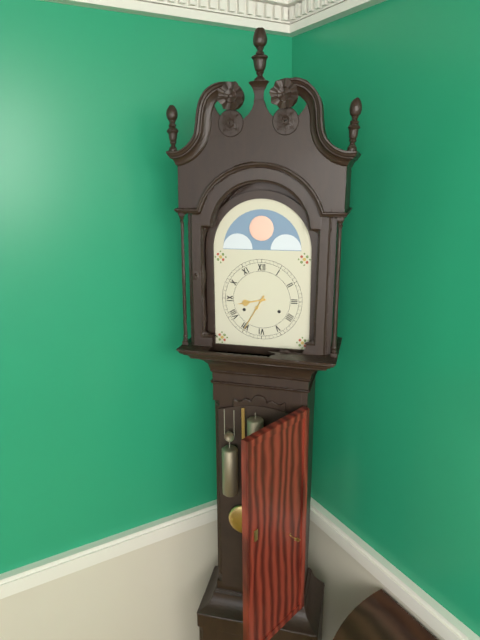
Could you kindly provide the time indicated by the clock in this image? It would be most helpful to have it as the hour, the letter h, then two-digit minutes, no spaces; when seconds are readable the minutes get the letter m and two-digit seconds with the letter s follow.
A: 8h35
